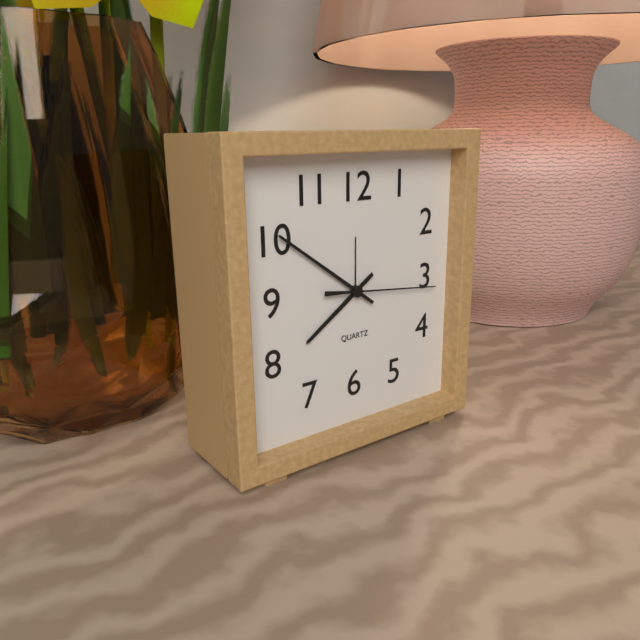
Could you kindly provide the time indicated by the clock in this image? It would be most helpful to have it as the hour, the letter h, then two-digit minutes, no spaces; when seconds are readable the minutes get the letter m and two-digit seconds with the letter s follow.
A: 7h51m16s
